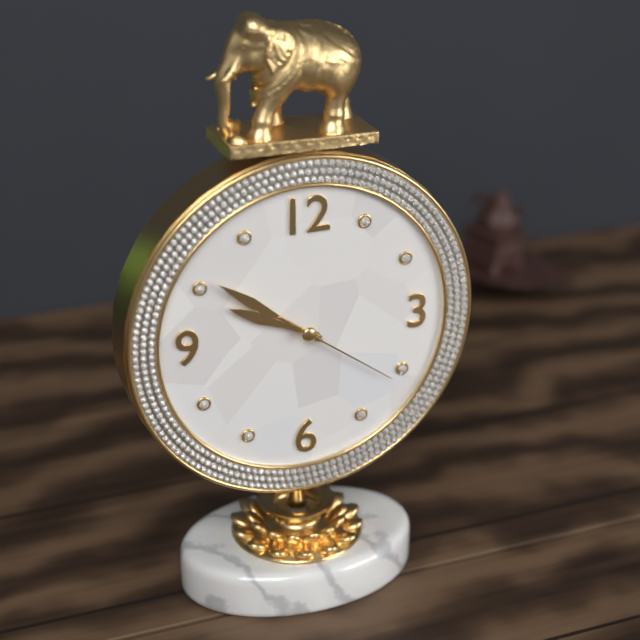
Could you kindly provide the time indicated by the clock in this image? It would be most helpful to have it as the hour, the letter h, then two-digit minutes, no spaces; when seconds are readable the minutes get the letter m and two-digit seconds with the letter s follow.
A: 9h51m21s
